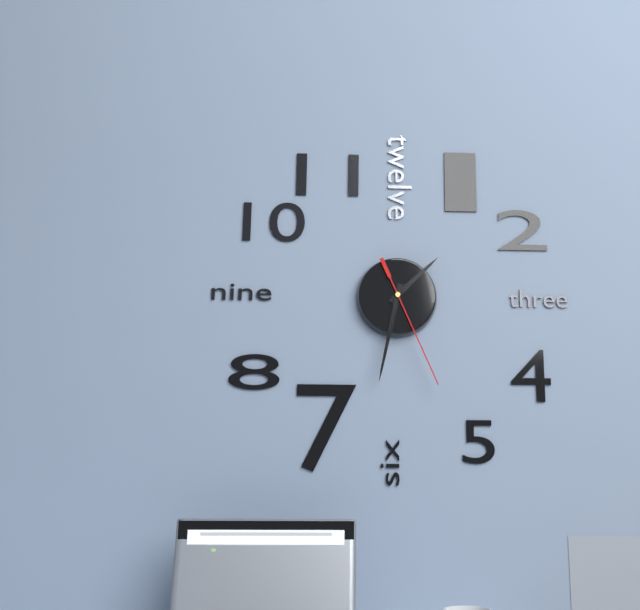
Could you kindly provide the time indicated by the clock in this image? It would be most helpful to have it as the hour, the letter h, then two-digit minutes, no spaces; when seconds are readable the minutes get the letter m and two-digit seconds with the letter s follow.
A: 1h32m26s
